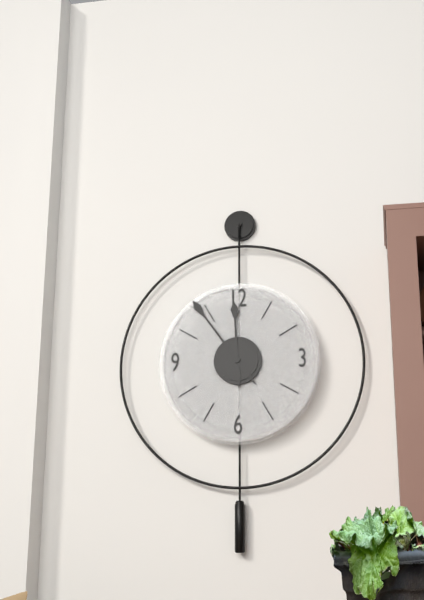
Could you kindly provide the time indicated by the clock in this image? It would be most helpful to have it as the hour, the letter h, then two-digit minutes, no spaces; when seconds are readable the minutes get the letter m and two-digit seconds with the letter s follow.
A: 11h54
